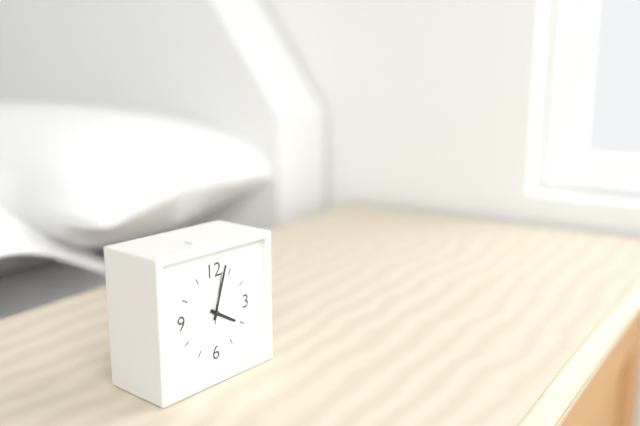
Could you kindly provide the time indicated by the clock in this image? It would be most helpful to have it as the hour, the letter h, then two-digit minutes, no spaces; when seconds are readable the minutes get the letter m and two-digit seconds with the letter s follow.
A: 4h03m02s
